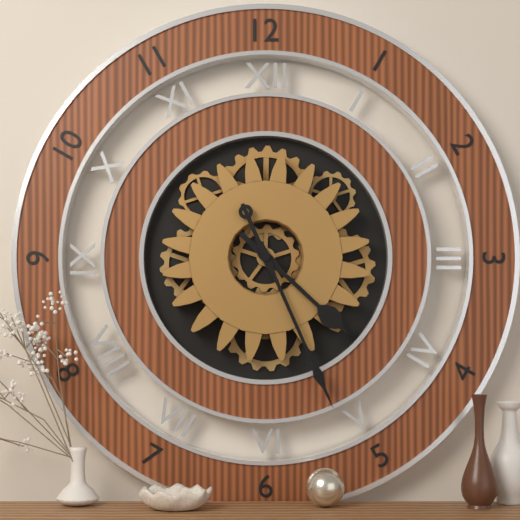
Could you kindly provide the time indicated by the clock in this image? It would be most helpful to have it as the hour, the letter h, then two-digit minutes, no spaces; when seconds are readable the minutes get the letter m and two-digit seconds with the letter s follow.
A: 4h26
